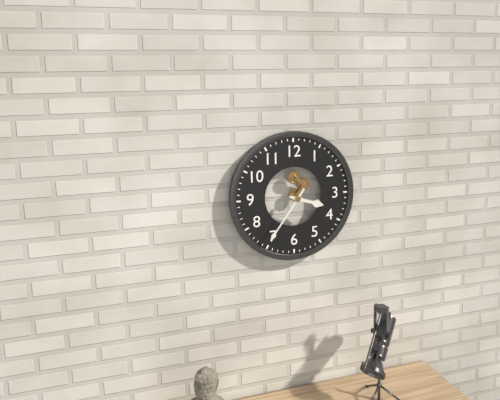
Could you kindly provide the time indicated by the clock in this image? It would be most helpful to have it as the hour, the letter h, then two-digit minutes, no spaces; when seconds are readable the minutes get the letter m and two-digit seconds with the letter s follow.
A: 3h36
